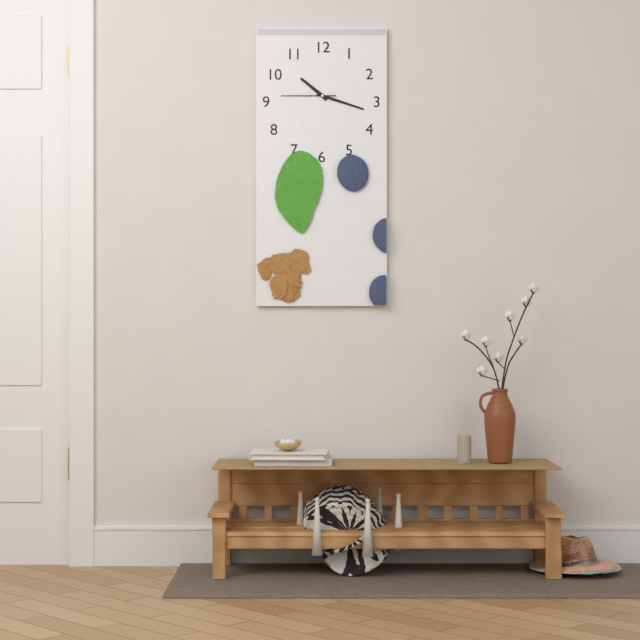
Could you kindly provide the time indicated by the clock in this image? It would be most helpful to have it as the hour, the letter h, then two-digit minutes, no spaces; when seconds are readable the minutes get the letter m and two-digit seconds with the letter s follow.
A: 10h18m45s
